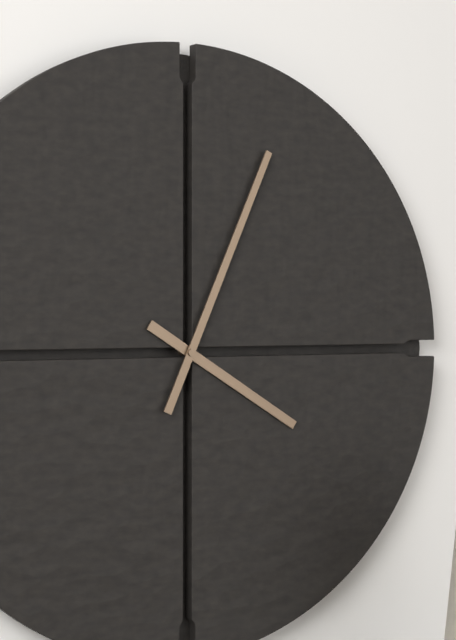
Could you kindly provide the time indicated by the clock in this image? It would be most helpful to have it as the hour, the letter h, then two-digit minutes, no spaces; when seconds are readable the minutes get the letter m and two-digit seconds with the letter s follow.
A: 4h04
